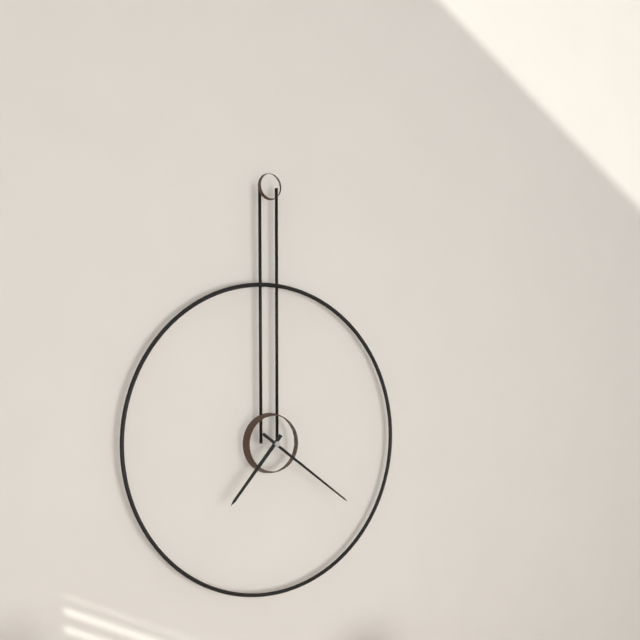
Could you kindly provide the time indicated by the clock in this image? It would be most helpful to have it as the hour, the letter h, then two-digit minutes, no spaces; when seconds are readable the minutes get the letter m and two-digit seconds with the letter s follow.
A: 7h21
